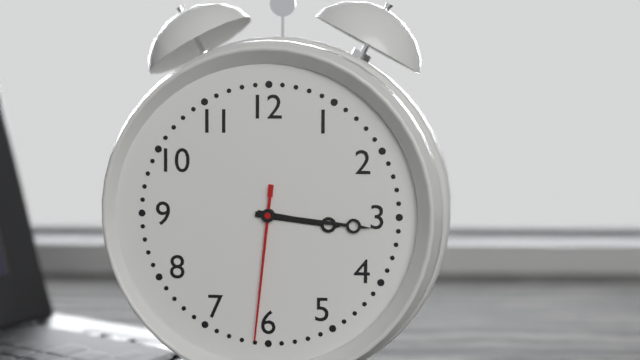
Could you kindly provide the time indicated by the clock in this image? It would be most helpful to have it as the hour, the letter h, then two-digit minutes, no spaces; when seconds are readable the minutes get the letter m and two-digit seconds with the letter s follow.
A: 3h16m31s
